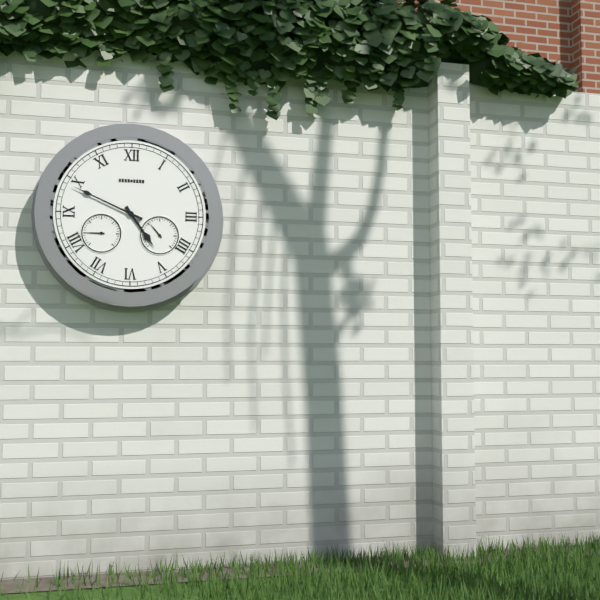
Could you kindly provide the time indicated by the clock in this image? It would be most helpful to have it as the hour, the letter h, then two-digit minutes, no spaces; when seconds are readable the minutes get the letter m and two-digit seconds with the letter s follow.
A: 4h49
